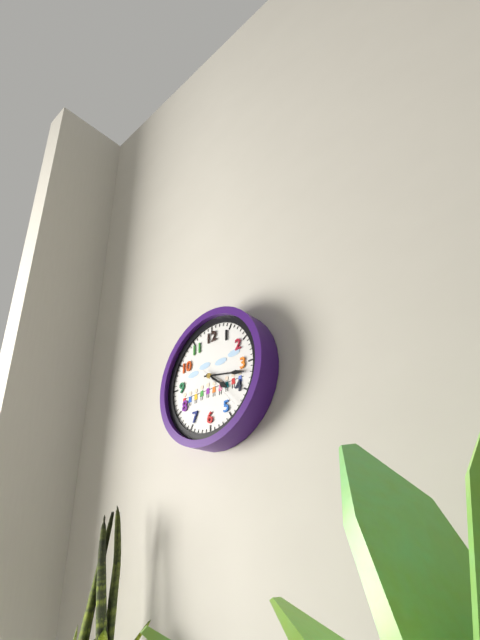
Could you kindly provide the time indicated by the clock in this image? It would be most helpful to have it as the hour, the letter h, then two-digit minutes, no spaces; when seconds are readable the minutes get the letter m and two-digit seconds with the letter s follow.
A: 4h17
